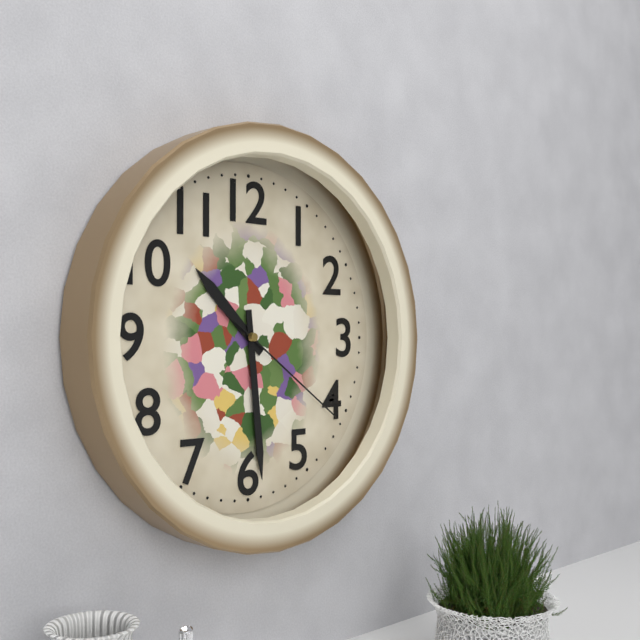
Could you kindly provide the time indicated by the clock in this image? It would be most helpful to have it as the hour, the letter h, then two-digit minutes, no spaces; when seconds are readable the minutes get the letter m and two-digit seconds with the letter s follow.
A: 10h29m21s
